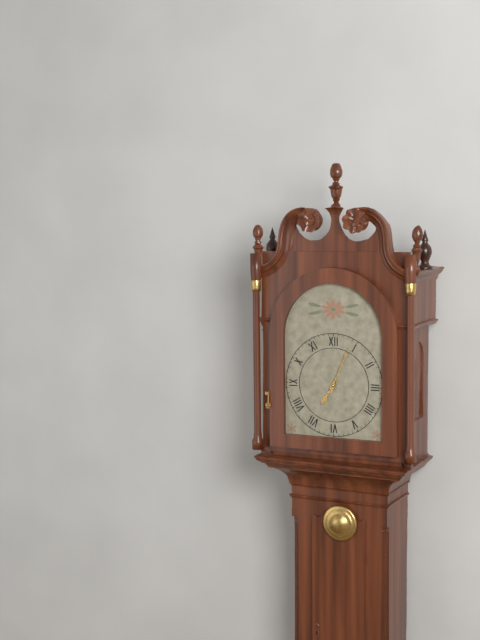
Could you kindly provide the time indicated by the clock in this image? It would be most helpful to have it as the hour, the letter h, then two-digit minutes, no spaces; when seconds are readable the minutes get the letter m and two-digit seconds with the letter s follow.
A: 7h04
